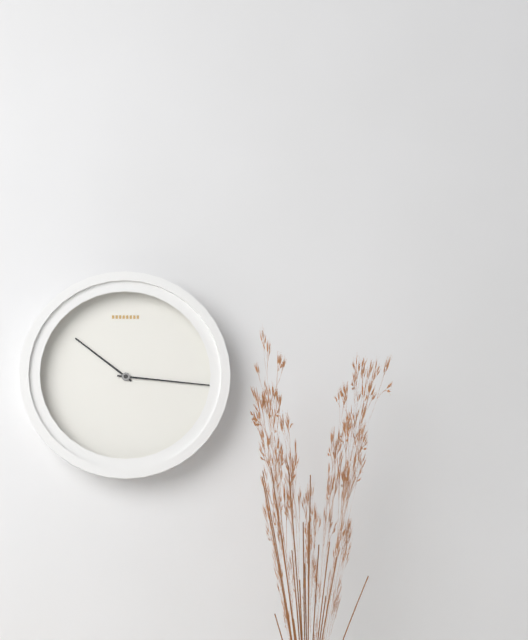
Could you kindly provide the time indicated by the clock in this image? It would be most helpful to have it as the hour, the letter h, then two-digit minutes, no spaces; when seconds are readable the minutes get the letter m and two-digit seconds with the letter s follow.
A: 10h16
